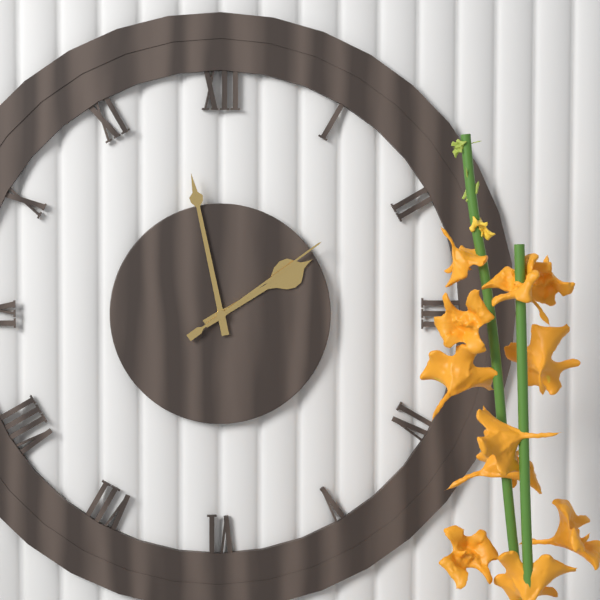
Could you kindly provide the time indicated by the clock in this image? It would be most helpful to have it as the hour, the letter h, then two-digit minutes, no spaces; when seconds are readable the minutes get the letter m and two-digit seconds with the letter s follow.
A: 1h58m09s
